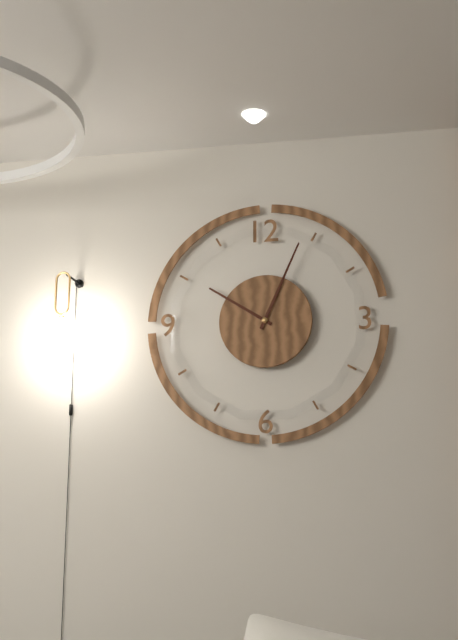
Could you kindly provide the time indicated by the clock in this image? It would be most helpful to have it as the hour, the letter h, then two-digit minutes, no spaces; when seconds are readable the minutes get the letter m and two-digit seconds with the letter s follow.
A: 10h04
